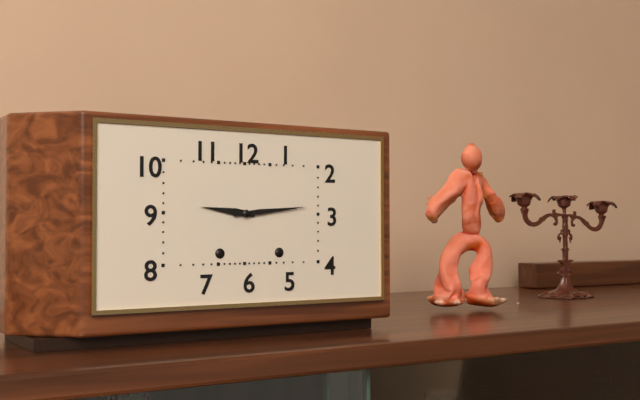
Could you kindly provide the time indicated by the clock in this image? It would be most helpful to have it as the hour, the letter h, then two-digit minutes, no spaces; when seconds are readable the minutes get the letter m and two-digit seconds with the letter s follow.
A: 9h14
